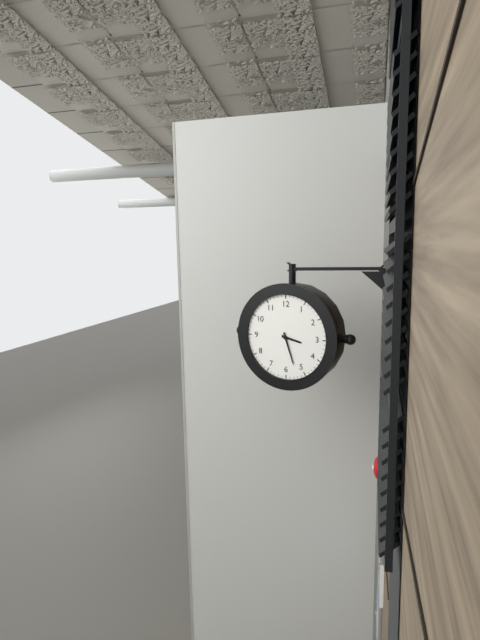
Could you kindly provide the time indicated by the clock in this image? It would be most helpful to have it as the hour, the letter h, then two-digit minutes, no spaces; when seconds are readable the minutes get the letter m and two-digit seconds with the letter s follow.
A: 3h27
